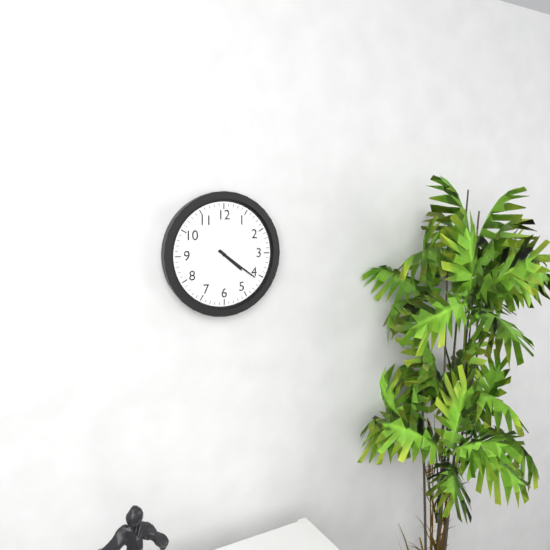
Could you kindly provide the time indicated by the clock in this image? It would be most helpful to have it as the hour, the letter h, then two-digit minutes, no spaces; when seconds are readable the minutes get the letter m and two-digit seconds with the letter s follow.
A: 4h21
